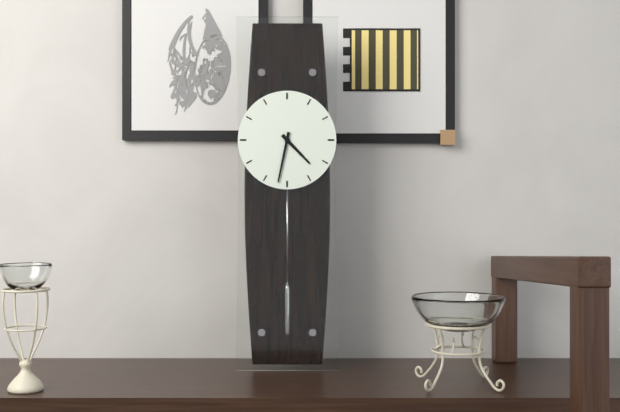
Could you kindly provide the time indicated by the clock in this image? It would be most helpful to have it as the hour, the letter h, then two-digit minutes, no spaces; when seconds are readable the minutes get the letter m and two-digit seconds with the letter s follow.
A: 4h32
